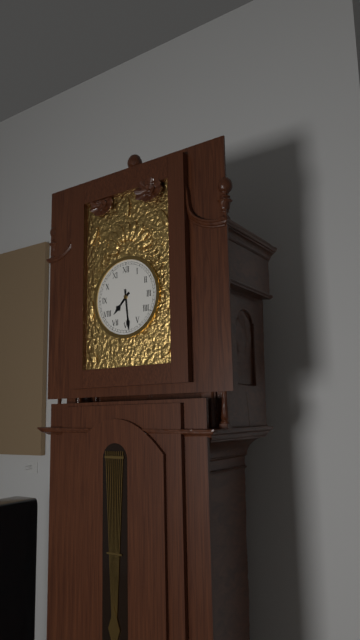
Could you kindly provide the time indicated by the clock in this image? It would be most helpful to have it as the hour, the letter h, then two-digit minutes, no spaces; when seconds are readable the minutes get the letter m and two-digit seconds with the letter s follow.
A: 7h29
